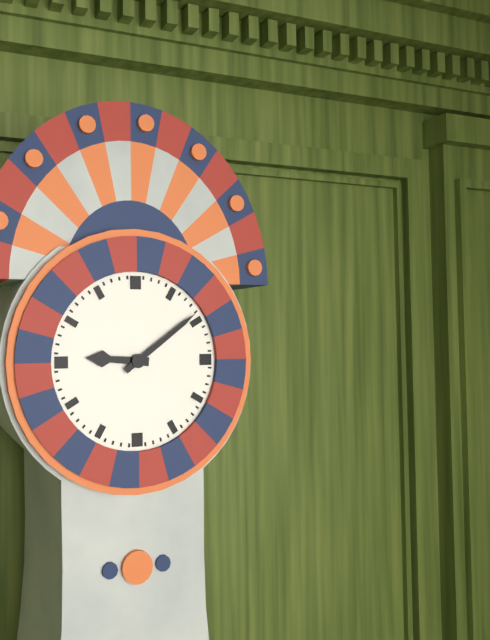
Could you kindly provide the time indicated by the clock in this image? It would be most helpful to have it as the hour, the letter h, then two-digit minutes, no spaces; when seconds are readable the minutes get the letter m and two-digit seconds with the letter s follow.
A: 9h09
